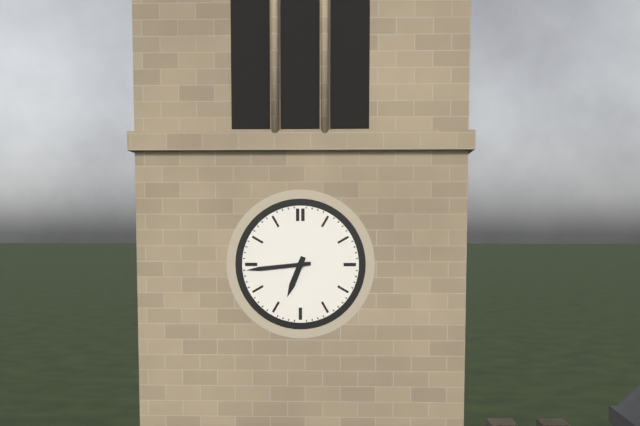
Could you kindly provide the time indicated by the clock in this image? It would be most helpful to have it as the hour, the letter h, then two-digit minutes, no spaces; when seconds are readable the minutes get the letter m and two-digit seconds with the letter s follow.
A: 6h44
